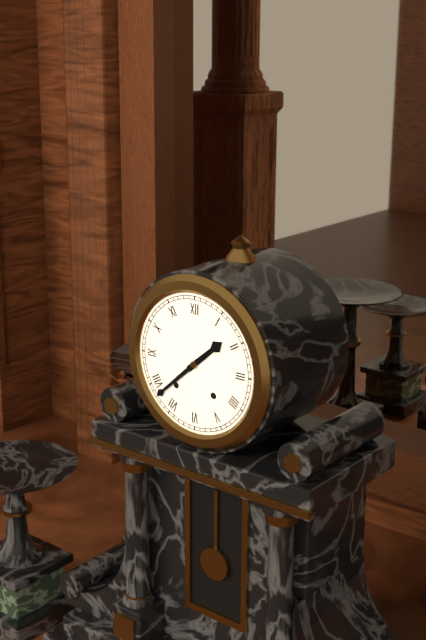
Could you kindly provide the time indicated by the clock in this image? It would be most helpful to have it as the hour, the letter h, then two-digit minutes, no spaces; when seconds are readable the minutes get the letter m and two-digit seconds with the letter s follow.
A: 1h38
